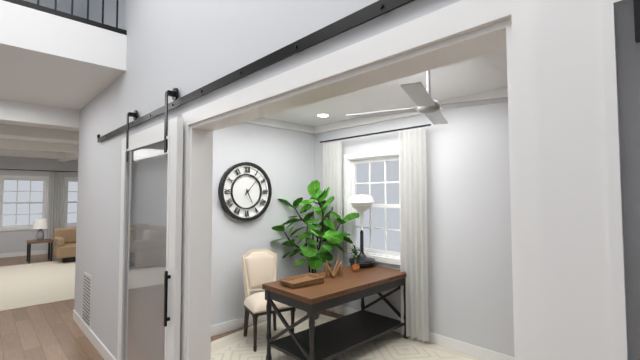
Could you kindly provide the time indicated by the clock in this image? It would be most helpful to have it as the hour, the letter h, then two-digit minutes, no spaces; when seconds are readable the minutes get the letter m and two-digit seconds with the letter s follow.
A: 5h07
